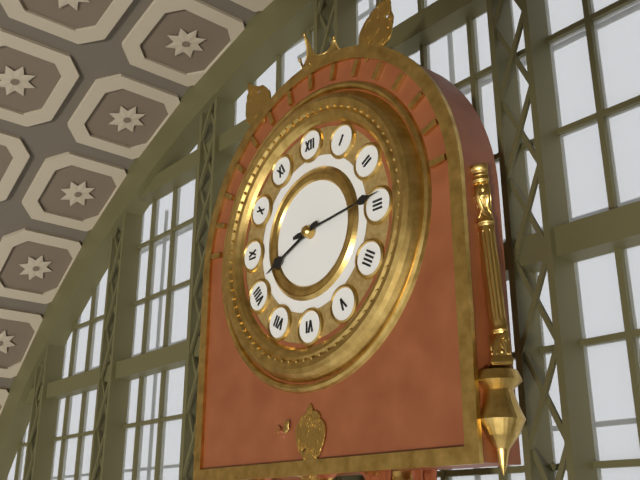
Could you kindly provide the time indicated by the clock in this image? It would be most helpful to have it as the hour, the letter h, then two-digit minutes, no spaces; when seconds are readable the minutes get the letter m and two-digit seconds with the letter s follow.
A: 8h14
